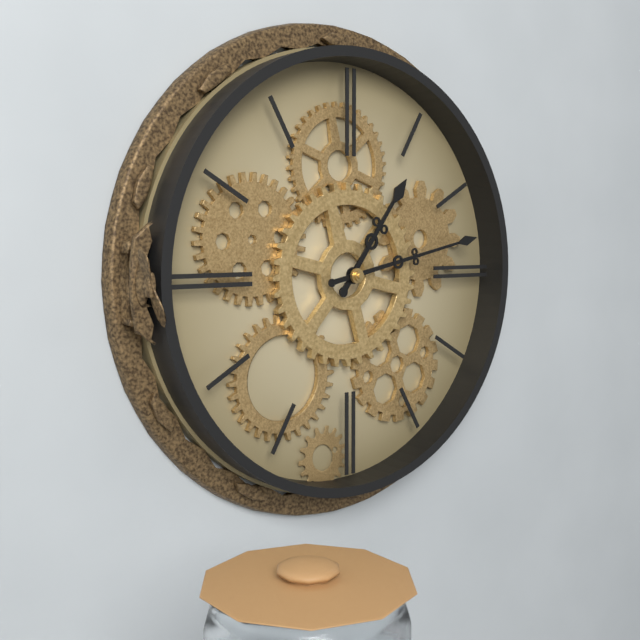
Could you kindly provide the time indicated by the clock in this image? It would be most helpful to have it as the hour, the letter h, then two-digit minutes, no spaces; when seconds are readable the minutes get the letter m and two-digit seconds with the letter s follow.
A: 1h13
